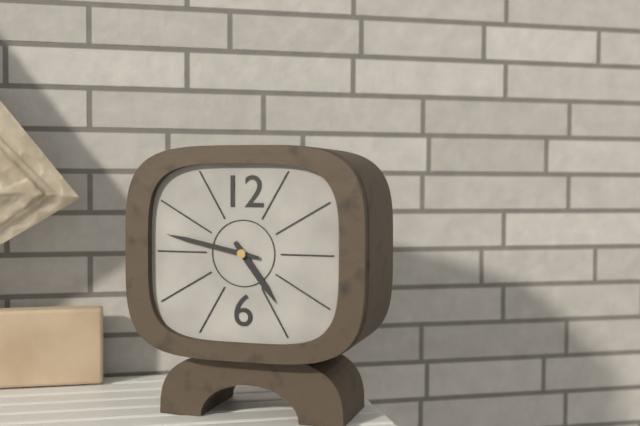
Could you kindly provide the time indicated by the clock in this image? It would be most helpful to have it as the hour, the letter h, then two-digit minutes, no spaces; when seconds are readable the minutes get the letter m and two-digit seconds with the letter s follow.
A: 4h47
